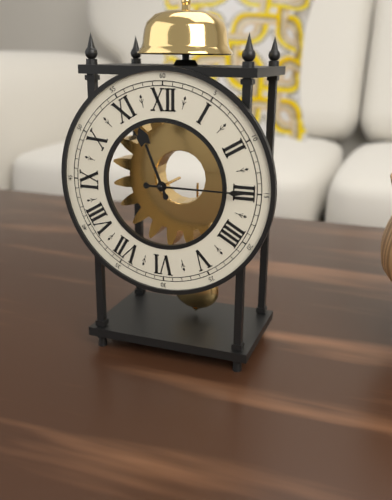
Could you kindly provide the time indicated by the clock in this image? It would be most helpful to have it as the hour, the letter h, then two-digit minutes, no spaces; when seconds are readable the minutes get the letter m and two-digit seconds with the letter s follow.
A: 11h15
